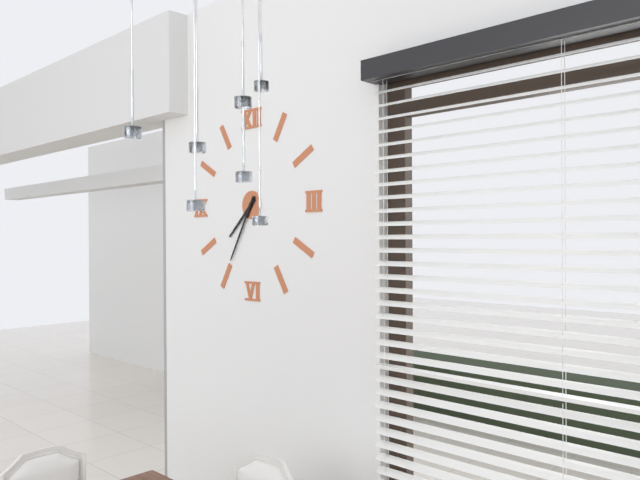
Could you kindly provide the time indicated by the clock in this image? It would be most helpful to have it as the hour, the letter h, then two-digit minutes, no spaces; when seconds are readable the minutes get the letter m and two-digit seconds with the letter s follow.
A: 7h35
